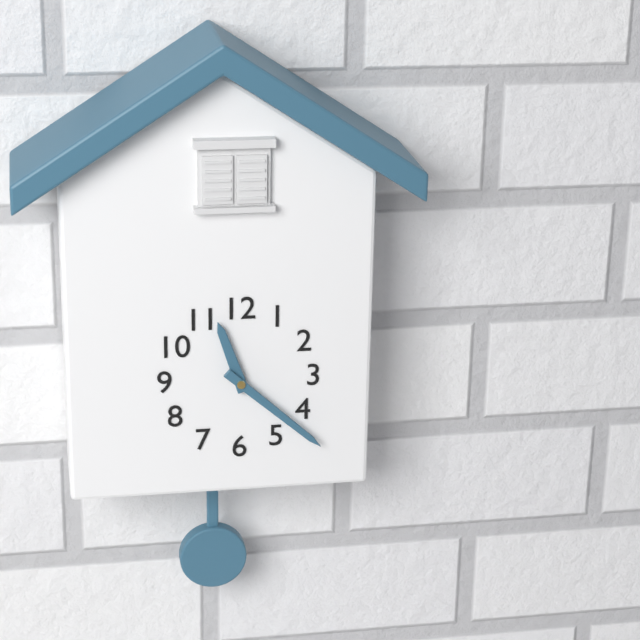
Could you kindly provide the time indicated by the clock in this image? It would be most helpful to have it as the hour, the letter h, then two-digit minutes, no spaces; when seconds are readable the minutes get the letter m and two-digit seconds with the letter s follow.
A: 11h22
